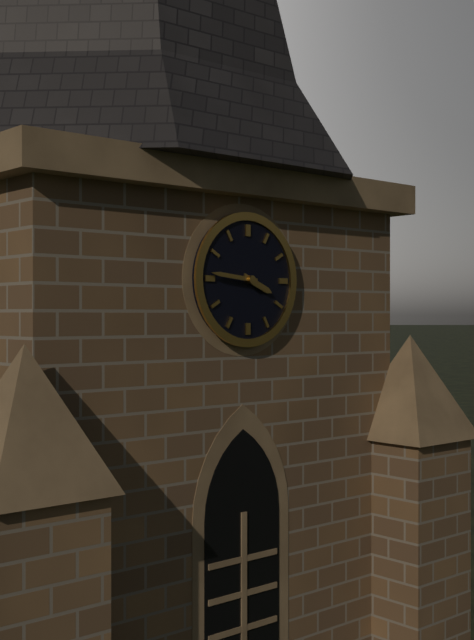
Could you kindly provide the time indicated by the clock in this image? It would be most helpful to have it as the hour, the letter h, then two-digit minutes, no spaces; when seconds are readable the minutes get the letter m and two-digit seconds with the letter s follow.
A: 3h46
